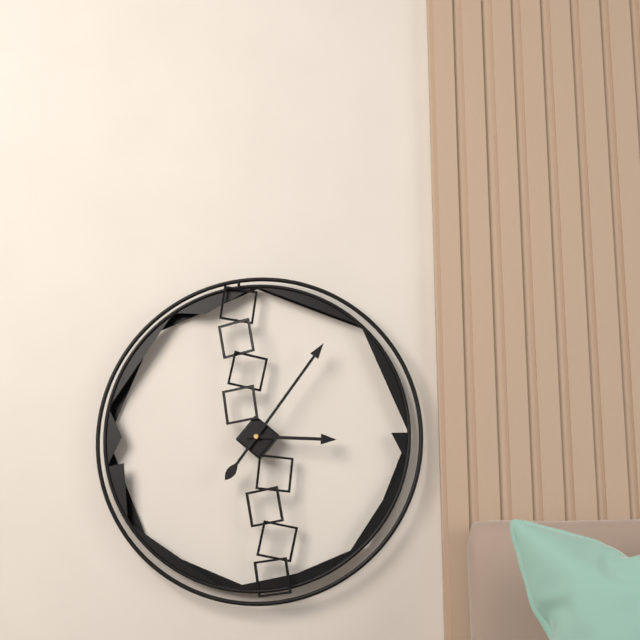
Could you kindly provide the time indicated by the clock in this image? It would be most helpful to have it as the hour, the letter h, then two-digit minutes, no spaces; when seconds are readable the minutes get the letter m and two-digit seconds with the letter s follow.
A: 3h06
